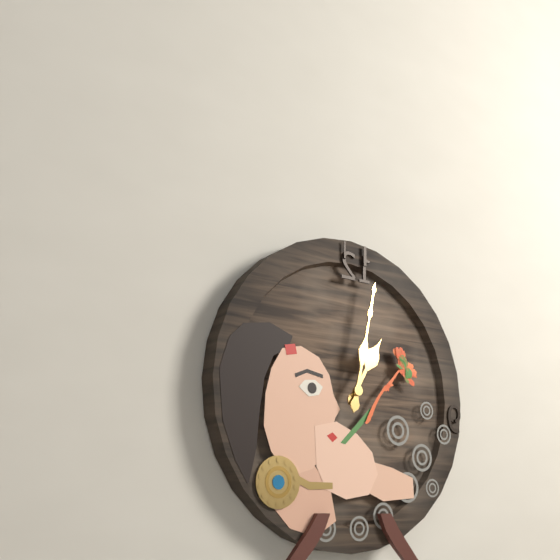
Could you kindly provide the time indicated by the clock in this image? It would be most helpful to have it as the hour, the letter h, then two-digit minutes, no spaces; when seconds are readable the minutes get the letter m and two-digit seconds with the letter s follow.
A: 1h02
